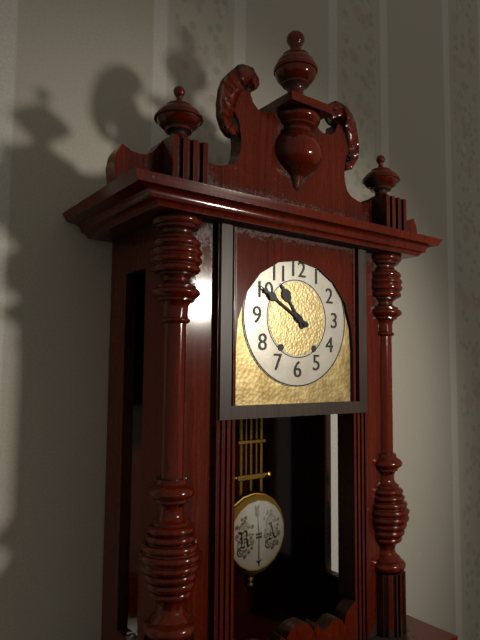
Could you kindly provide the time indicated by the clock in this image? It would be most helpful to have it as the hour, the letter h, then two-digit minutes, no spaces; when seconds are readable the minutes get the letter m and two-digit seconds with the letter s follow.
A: 10h50
